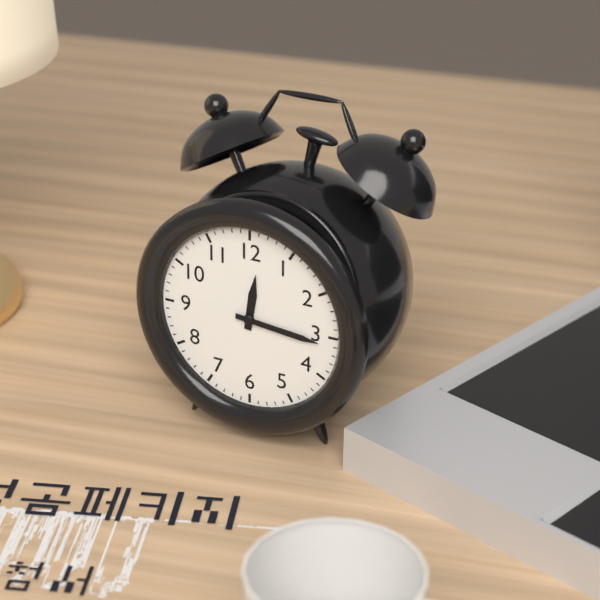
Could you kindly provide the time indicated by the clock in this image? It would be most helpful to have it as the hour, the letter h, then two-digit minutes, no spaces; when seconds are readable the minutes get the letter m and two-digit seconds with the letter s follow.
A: 12h16
